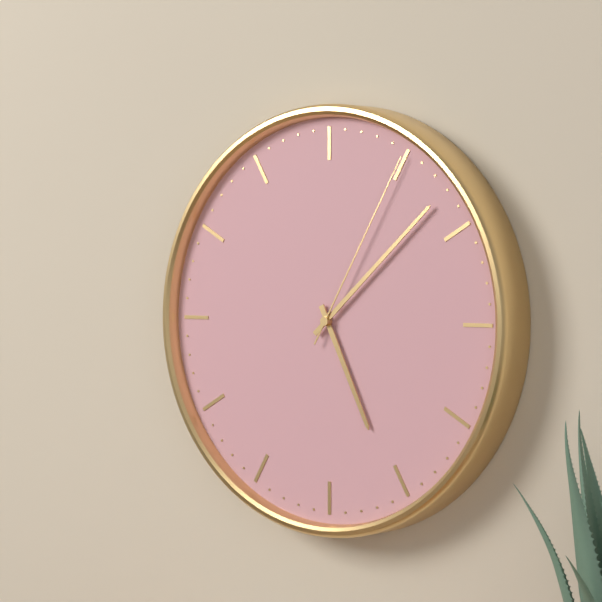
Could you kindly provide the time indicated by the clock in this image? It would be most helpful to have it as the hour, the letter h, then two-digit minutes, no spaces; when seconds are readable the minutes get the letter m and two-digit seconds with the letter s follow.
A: 5h08m05s
